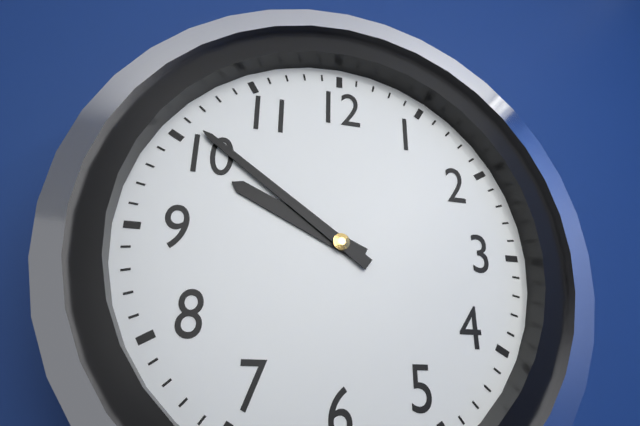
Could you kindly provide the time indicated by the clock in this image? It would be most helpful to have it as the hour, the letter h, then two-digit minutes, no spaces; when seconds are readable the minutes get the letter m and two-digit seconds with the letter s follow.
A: 9h51
